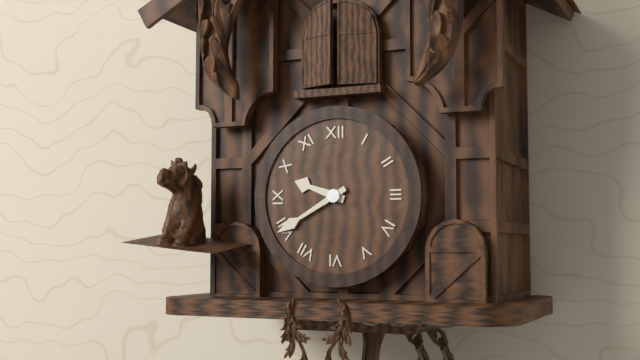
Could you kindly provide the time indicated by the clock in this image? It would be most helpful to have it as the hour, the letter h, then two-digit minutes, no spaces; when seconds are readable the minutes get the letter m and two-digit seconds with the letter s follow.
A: 9h40
